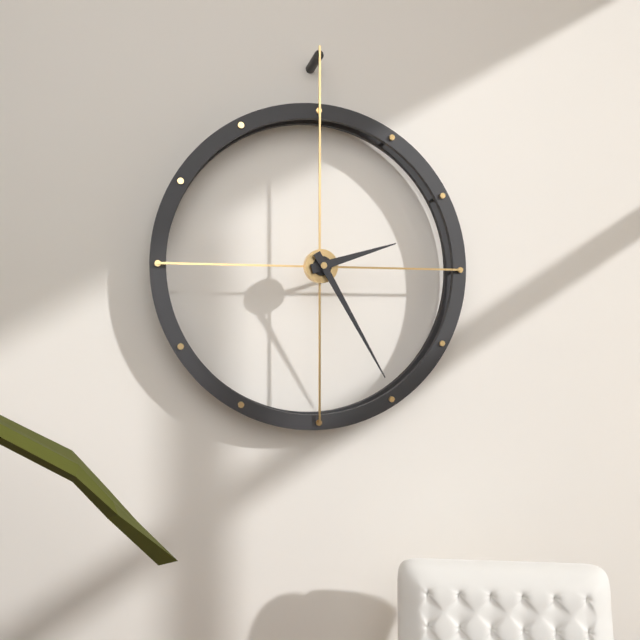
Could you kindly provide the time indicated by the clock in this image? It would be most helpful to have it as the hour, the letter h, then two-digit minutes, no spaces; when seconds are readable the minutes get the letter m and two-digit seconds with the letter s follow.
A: 2h25
